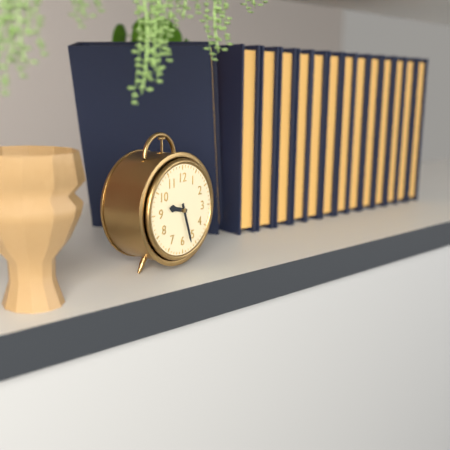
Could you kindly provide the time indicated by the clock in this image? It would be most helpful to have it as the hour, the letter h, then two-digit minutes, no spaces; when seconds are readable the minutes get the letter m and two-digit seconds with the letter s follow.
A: 9h27
